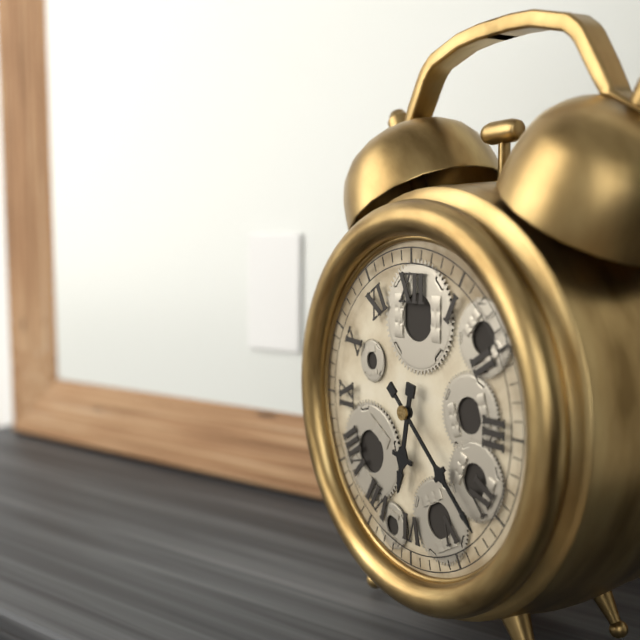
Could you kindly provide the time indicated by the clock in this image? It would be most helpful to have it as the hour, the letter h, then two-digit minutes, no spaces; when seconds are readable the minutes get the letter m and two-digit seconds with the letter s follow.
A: 6h22
